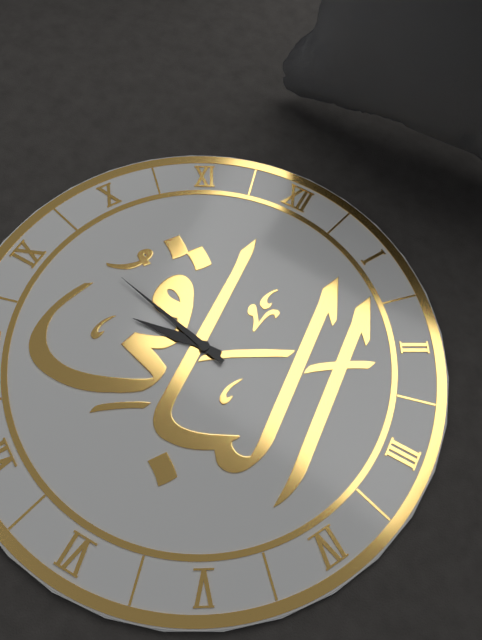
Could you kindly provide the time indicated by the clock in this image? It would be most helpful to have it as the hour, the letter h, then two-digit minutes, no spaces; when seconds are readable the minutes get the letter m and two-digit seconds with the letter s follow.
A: 8h47
